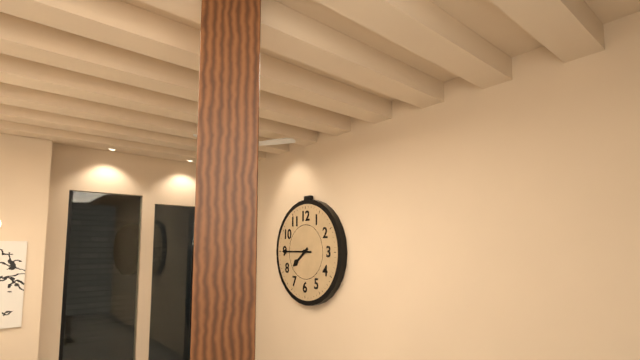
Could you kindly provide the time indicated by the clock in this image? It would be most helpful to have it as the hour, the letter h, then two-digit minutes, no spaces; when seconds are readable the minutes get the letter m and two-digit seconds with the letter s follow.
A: 7h45
